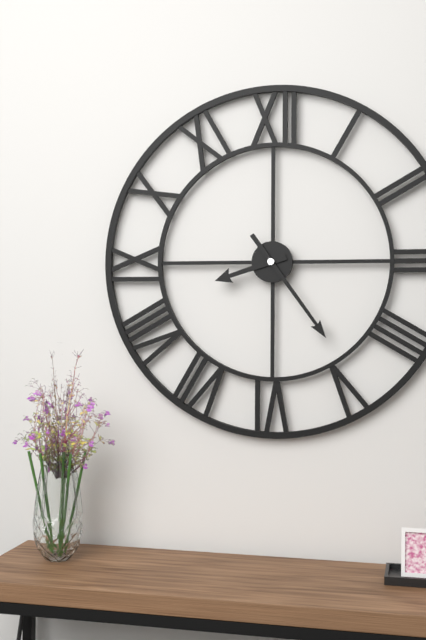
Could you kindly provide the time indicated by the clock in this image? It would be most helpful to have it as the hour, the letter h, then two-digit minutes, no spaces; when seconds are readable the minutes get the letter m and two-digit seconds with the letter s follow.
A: 8h24
